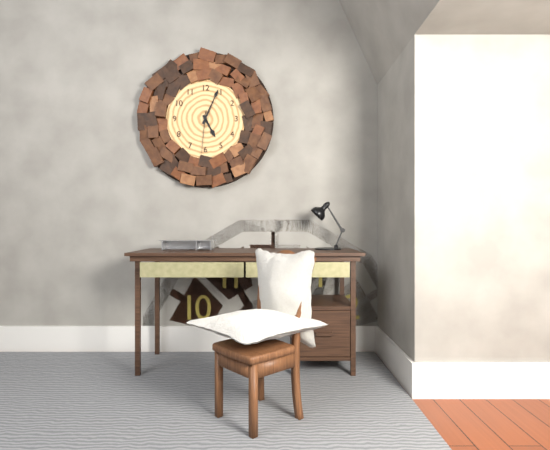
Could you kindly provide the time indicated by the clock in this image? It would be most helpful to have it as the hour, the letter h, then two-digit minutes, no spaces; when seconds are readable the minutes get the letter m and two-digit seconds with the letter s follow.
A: 5h04
